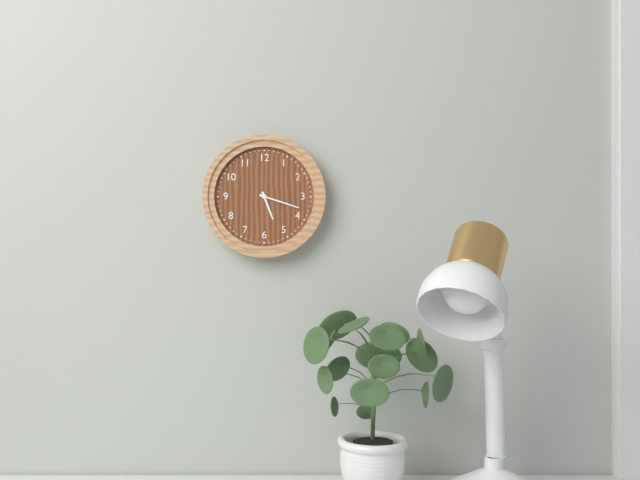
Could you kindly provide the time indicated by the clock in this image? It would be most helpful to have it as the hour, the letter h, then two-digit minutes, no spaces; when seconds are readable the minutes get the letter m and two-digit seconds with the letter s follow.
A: 5h18
